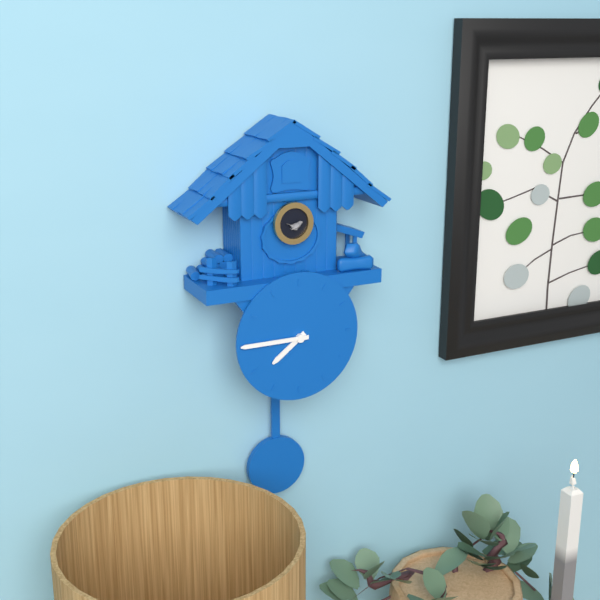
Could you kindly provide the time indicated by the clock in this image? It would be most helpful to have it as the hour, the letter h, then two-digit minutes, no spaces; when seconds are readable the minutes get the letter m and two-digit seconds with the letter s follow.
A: 7h45
